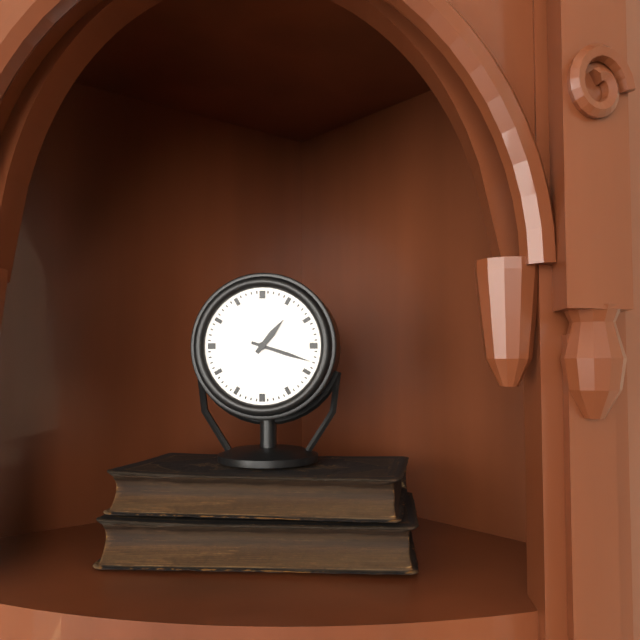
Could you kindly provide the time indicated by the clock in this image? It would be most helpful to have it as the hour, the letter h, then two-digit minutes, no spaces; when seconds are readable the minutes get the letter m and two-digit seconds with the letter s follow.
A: 1h18
